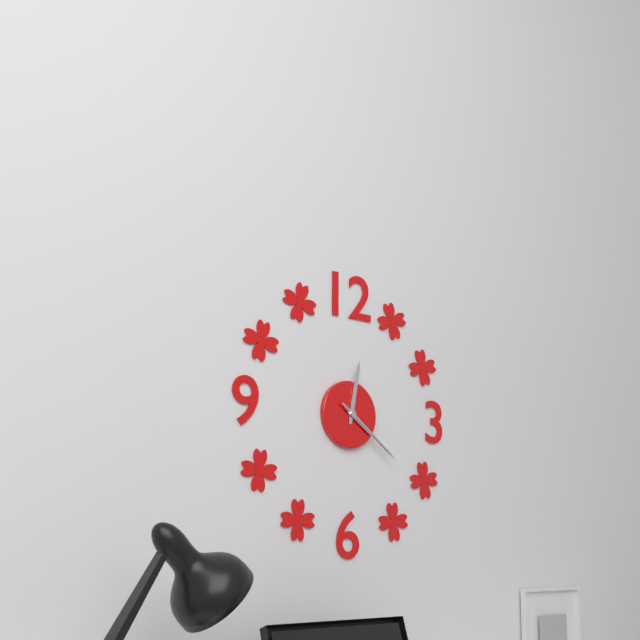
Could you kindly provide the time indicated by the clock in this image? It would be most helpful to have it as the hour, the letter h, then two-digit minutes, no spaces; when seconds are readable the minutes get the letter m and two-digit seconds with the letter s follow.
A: 12h21m21s
